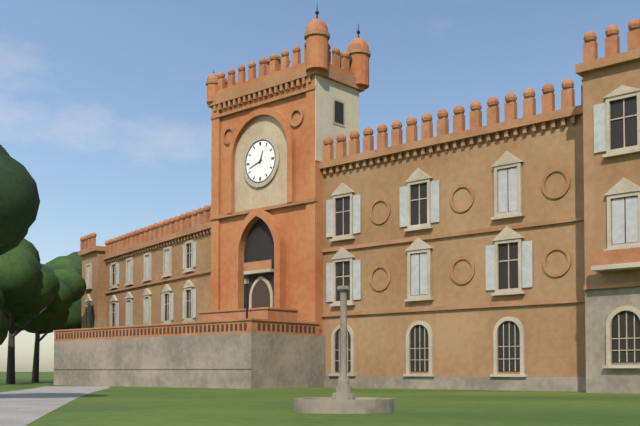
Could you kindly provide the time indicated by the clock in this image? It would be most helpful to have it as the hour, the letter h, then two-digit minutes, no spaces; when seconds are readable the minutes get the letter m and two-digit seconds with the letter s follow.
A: 12h42
